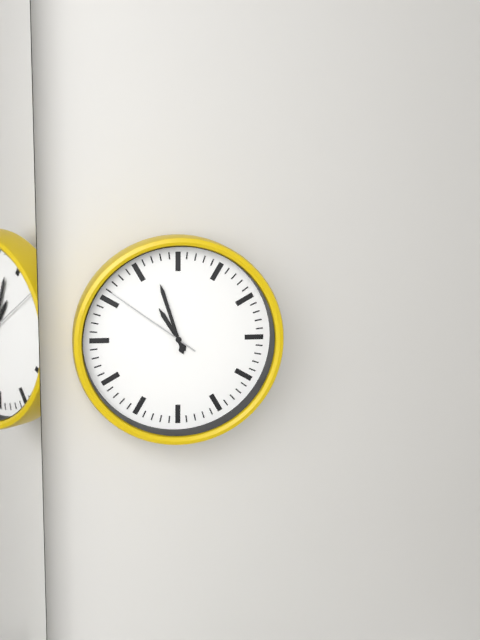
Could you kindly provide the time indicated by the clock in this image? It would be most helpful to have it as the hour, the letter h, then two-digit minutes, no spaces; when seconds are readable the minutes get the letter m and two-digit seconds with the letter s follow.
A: 10h57m51s
